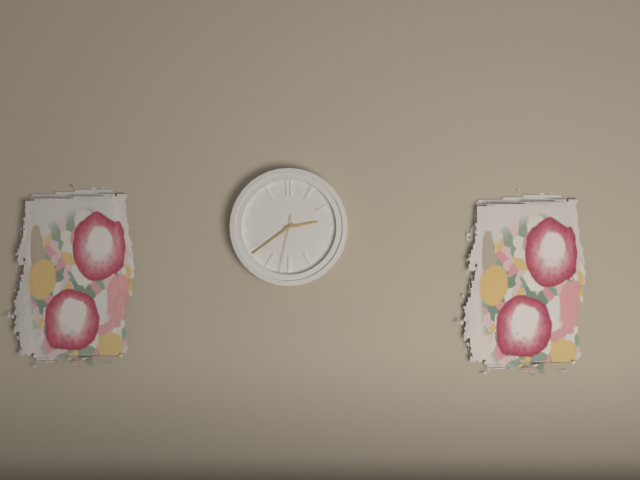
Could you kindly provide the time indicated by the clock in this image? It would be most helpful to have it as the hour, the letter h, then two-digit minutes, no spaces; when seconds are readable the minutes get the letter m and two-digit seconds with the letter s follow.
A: 2h39m32s
